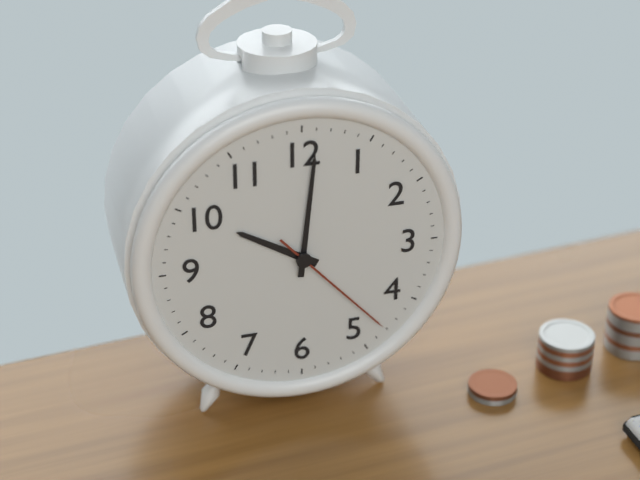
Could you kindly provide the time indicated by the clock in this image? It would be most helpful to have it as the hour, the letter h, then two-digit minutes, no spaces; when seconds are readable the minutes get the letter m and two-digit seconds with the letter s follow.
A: 10h01m23s
